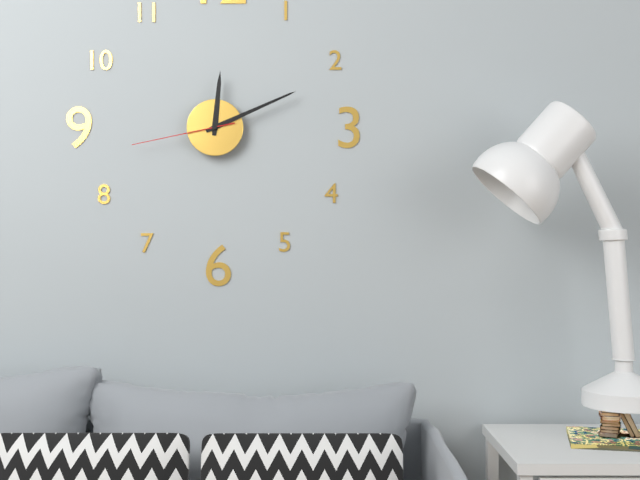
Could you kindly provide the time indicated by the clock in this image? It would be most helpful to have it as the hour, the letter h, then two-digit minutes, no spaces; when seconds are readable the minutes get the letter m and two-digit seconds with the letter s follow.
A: 12h11m43s
